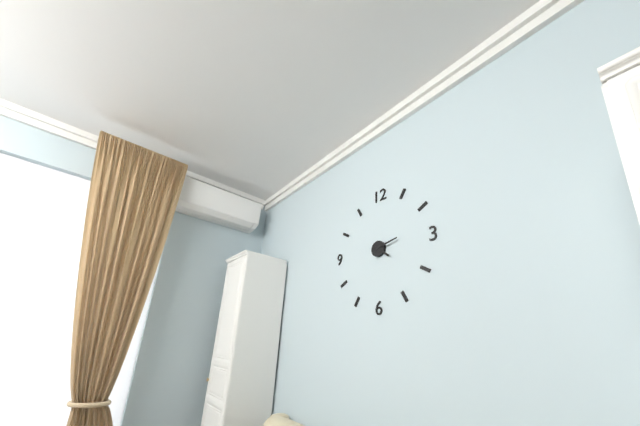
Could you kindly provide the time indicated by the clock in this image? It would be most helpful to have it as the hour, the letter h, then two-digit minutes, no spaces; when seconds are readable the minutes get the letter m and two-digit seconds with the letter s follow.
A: 4h13
